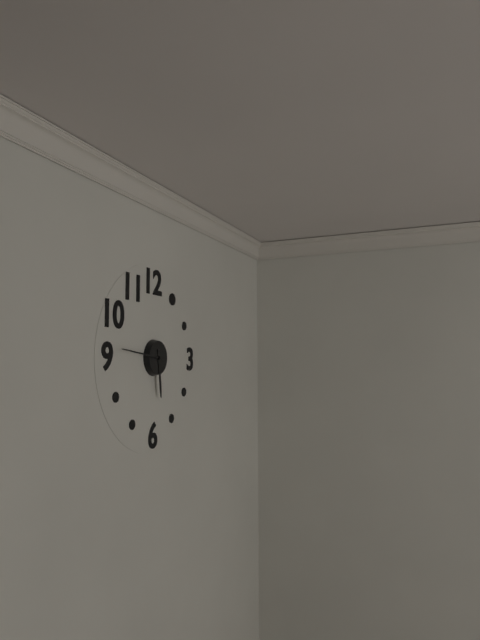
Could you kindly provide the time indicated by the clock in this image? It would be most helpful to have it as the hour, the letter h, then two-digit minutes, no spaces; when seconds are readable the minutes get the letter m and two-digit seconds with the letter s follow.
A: 5h46
